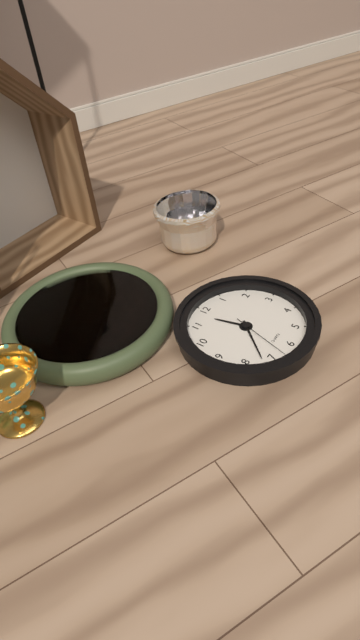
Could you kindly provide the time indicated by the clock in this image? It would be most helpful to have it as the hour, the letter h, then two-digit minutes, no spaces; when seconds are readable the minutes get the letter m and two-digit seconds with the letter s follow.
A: 11h37m33s
